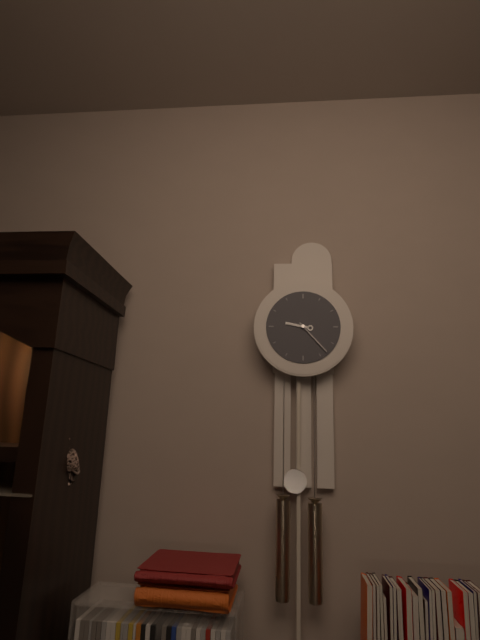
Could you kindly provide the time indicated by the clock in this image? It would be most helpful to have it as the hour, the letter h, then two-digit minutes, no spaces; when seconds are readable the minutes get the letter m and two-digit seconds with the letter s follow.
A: 9h23
